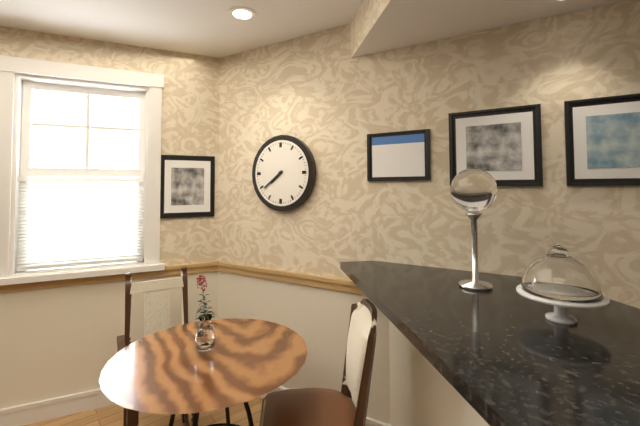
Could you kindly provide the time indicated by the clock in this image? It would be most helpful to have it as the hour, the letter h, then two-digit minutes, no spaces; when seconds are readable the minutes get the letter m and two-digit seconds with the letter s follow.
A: 7h39
